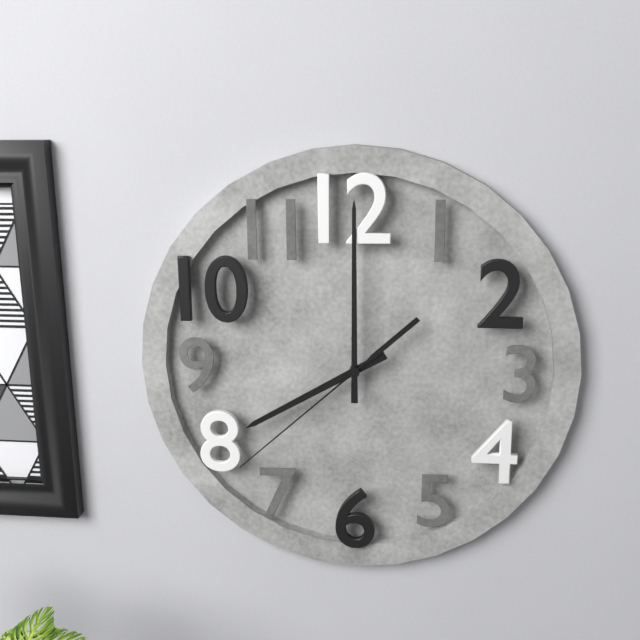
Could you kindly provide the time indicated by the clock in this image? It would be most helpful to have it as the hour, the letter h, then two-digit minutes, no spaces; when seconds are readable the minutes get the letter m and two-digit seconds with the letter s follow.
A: 8h00m38s
